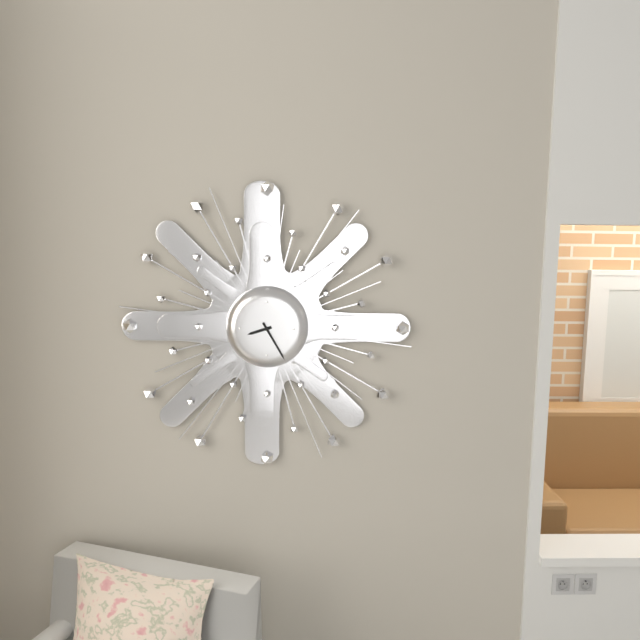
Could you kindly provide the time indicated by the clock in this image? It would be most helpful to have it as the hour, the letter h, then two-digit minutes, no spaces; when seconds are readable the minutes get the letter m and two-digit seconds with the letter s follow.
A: 8h25
